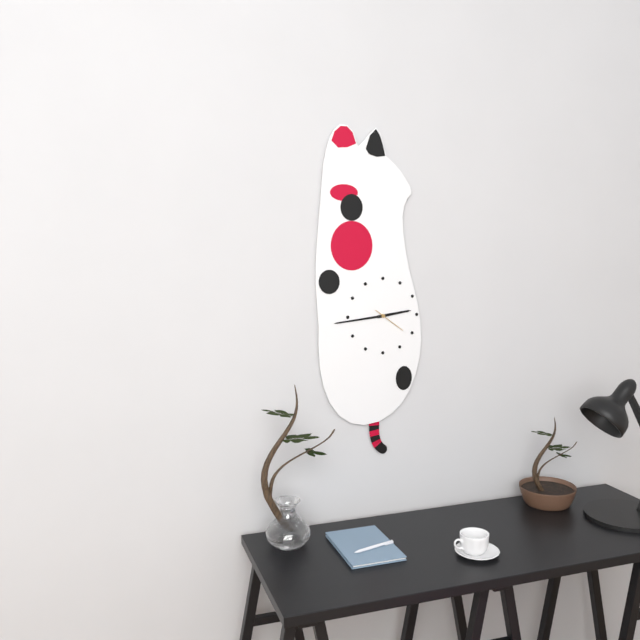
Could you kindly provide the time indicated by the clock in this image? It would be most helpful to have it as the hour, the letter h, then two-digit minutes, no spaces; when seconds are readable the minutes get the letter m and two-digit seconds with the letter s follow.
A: 2h44
